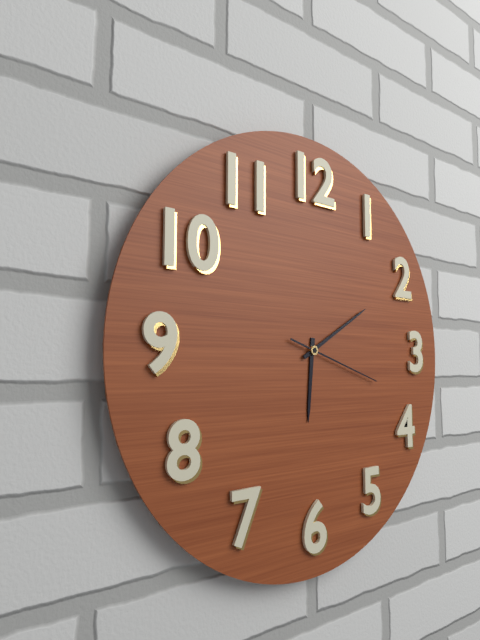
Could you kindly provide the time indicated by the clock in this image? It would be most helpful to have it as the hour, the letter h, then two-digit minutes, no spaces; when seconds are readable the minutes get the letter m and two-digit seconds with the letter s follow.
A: 6h10m18s
